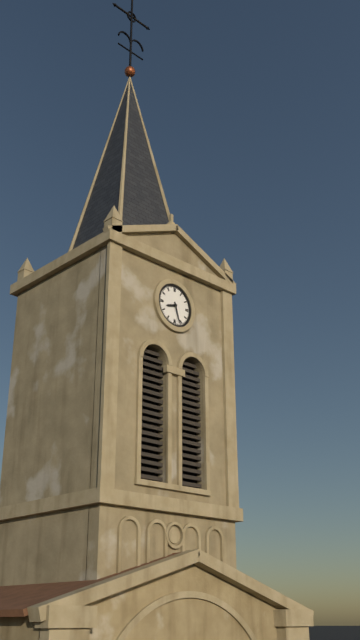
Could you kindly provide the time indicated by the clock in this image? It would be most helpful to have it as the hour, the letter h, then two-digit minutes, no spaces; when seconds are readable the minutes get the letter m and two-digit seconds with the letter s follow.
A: 8h27
